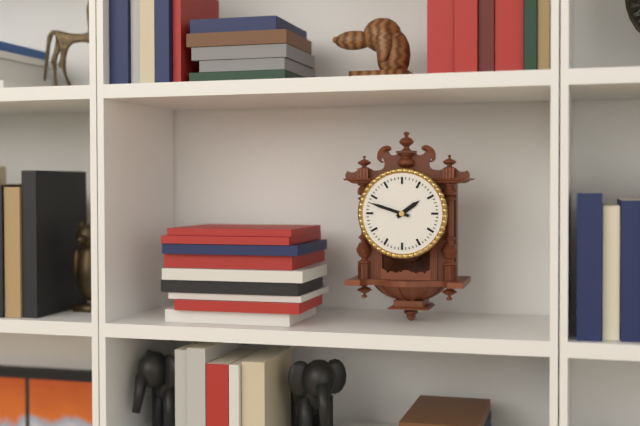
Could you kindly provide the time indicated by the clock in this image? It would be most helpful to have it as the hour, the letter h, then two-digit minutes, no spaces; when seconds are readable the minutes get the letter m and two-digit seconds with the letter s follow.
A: 1h48
